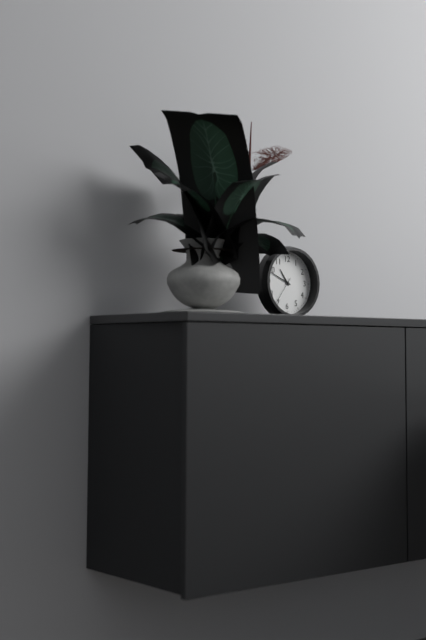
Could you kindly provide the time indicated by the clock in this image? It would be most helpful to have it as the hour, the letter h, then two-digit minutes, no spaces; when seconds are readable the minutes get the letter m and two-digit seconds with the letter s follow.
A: 10h49
